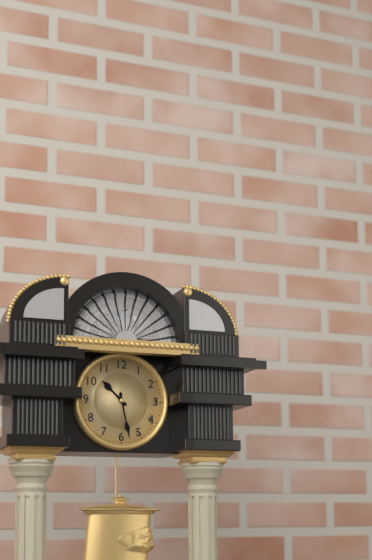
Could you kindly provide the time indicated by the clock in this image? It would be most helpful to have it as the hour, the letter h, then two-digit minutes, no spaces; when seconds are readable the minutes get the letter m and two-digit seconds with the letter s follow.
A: 10h28
